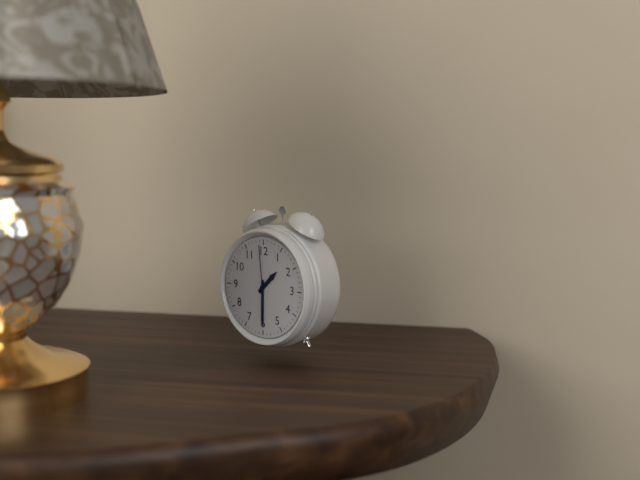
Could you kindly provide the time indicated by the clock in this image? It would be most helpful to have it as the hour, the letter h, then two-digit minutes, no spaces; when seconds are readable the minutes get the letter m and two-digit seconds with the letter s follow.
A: 1h30m59s
